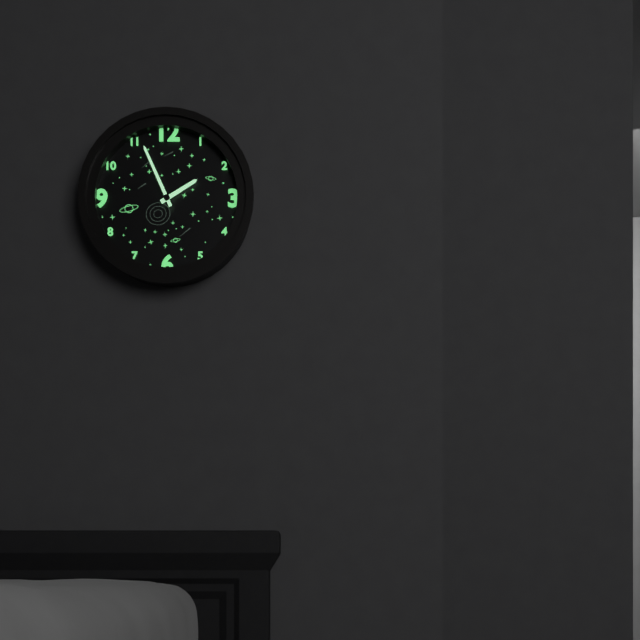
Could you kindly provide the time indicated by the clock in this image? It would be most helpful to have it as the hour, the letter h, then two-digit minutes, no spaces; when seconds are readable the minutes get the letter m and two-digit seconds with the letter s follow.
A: 1h56
